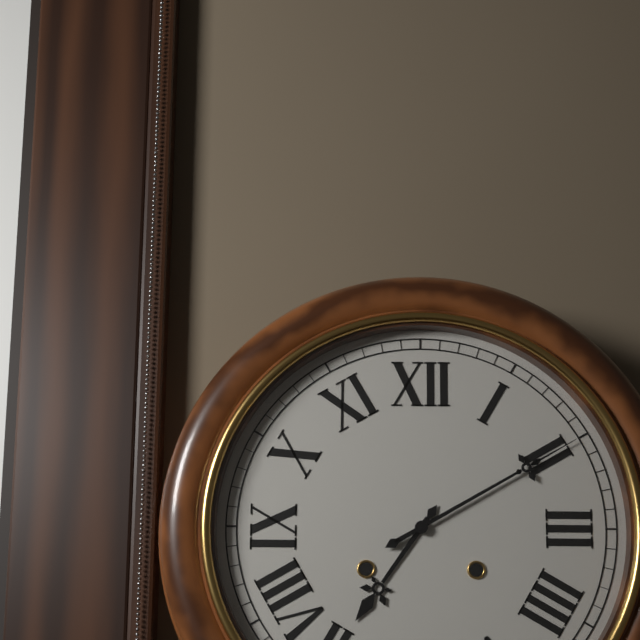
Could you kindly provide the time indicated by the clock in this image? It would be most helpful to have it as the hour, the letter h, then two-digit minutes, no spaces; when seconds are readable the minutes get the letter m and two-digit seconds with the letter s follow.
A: 7h10
